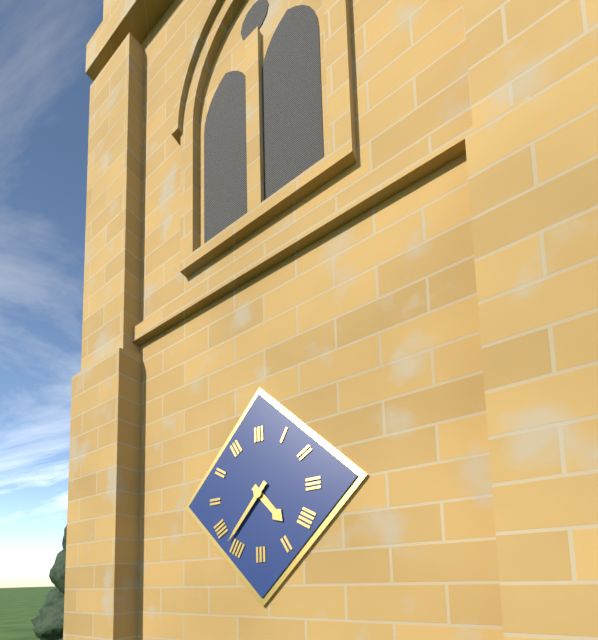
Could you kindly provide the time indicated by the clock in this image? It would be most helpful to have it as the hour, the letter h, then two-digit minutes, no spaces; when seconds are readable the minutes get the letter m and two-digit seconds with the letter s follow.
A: 4h37
